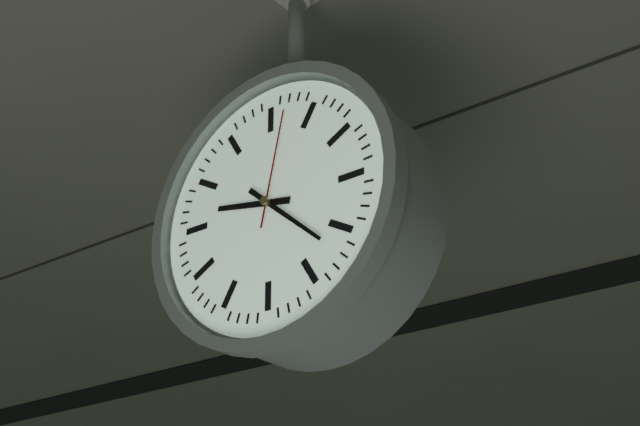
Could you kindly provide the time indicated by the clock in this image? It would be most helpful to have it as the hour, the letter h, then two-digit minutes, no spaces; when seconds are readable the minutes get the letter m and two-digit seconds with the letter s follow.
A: 9h22m02s
